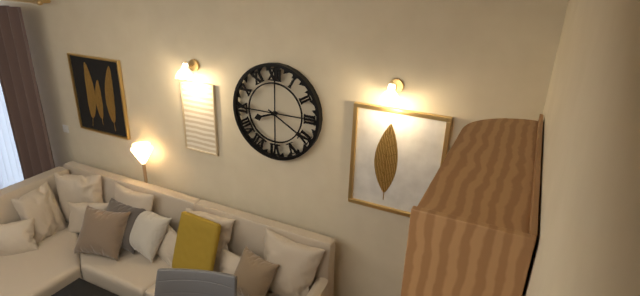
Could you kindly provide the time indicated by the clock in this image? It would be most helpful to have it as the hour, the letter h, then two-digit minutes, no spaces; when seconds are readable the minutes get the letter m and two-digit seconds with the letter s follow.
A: 8h20
